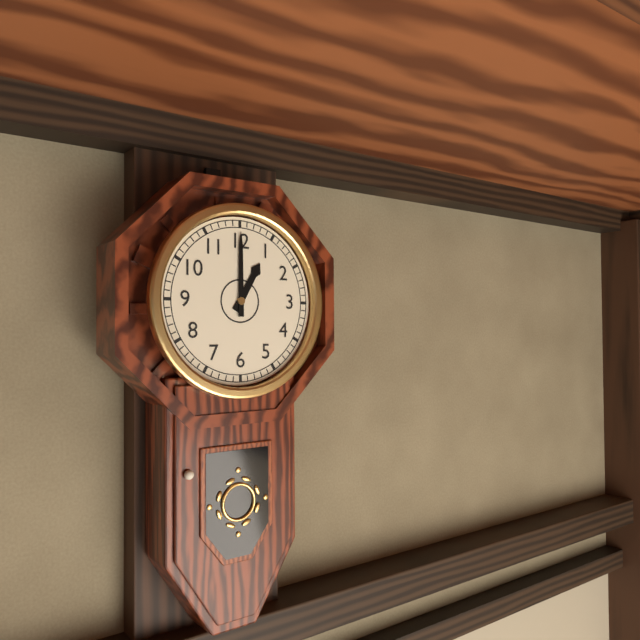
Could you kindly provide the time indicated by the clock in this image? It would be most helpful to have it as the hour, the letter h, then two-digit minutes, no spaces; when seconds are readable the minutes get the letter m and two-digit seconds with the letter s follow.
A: 1h00
